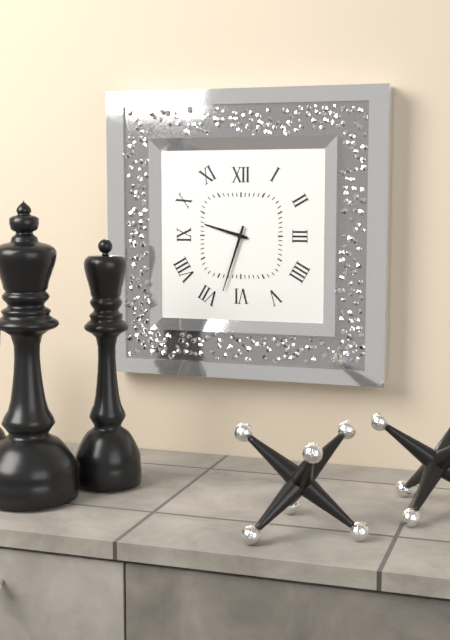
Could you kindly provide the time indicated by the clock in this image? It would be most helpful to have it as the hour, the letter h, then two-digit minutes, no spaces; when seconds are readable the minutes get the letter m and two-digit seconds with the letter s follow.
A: 9h33
